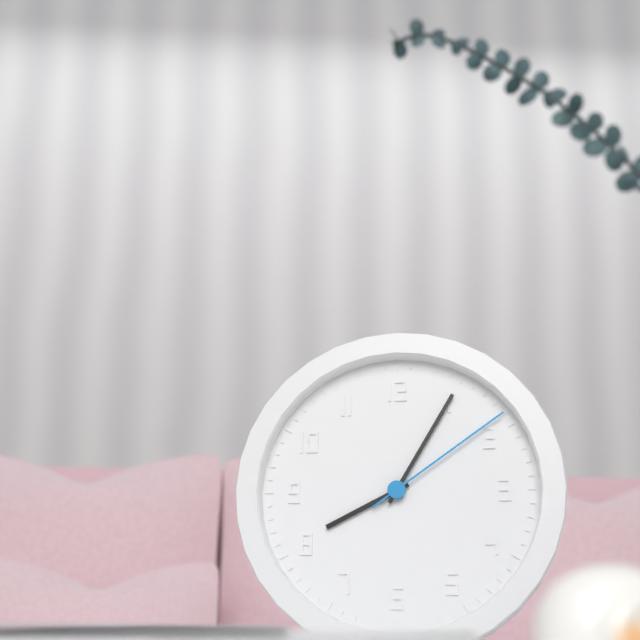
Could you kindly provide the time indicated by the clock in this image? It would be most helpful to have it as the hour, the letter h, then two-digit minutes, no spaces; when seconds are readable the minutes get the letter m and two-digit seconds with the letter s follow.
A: 8h05m09s
